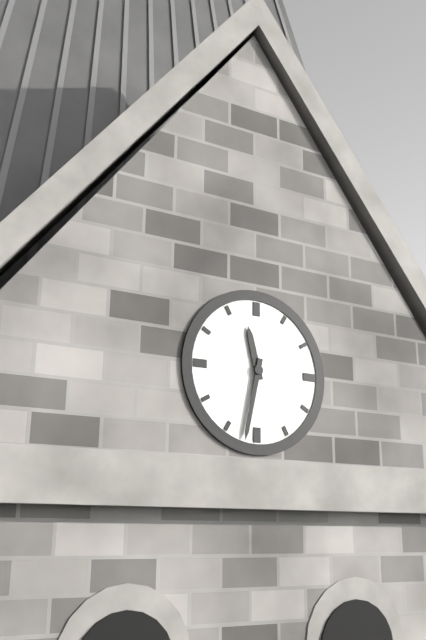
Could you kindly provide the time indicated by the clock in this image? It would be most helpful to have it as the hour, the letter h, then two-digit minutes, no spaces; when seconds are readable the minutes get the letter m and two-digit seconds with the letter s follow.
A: 11h32
